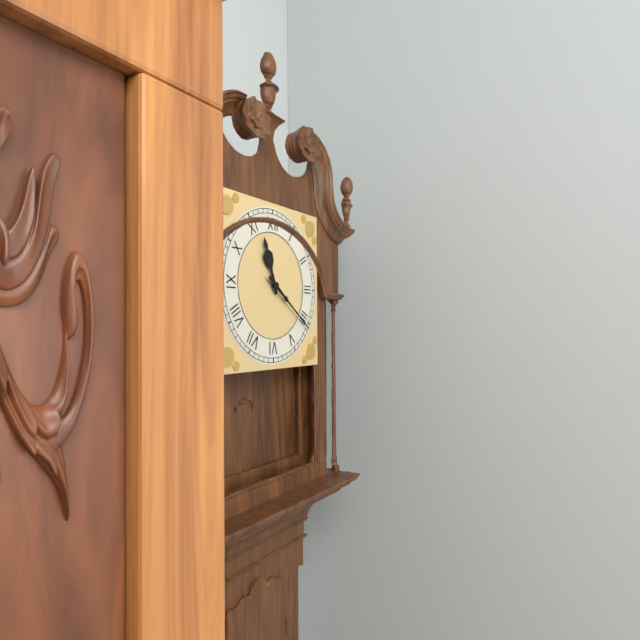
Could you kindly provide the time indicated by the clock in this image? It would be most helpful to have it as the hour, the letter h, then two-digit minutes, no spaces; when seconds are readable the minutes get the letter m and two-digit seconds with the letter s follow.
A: 11h21
